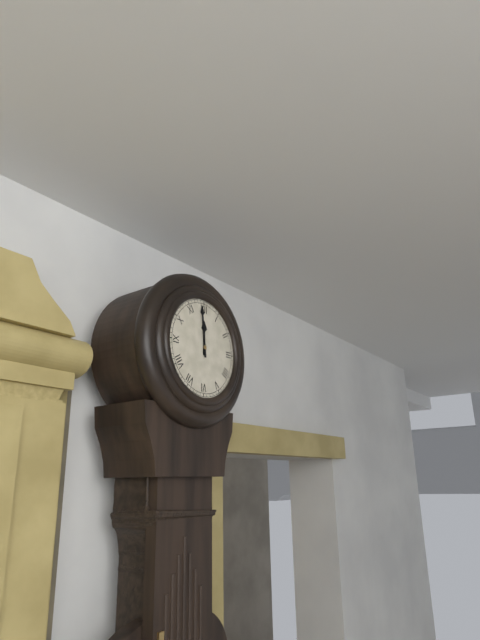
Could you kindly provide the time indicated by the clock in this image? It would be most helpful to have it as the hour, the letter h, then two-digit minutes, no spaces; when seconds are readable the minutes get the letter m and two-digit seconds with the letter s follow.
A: 11h59
